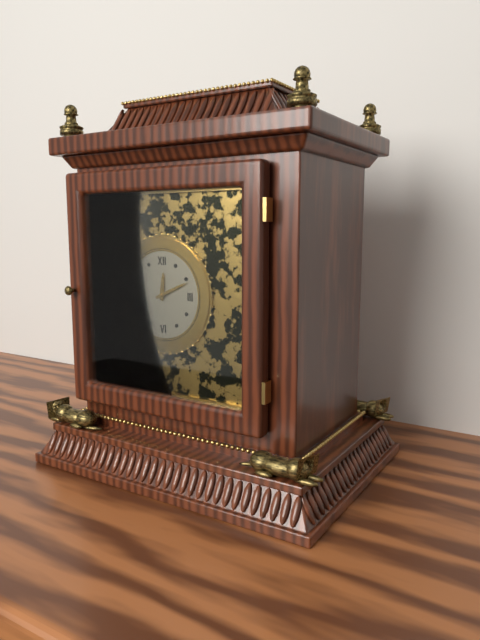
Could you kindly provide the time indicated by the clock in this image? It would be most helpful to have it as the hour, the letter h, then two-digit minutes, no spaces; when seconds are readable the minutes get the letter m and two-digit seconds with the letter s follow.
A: 12h11
